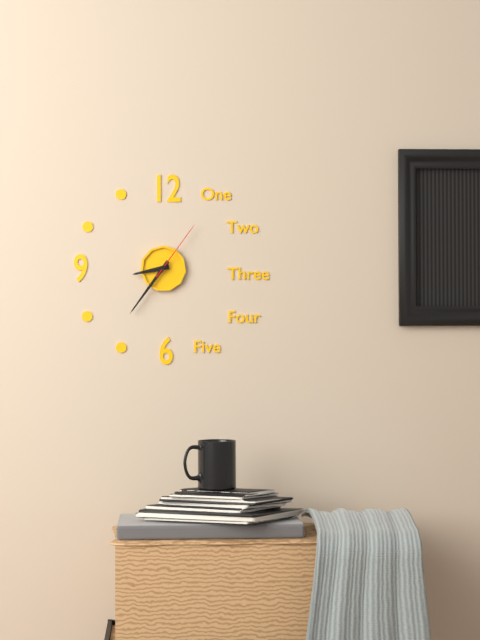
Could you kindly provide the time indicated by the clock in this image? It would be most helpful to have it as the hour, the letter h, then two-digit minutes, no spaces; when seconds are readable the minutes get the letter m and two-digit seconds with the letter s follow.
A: 8h36m06s
